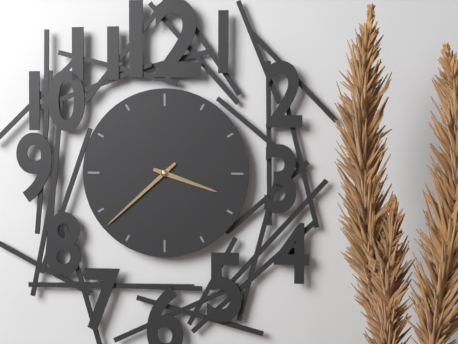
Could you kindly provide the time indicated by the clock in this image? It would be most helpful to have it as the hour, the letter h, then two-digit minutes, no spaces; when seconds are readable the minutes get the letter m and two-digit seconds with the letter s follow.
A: 3h38
